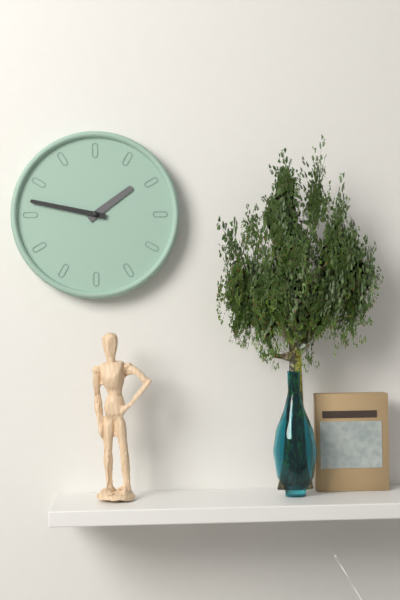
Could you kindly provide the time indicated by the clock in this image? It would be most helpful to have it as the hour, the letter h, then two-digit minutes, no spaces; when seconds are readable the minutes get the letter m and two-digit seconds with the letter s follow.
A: 1h47
